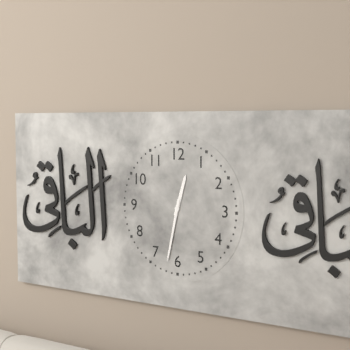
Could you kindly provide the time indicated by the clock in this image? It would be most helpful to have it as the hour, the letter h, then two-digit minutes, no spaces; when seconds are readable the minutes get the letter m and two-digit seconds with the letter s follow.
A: 12h32
